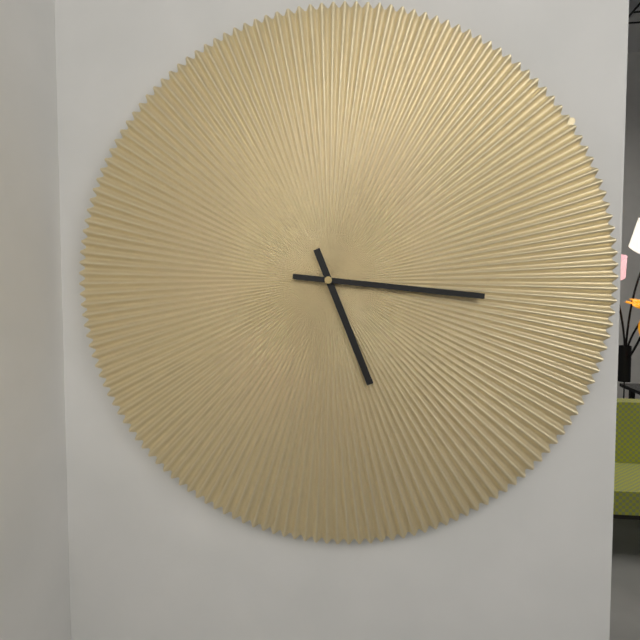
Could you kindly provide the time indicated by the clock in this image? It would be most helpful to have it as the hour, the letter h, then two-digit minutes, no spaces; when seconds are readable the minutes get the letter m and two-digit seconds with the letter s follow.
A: 5h16
